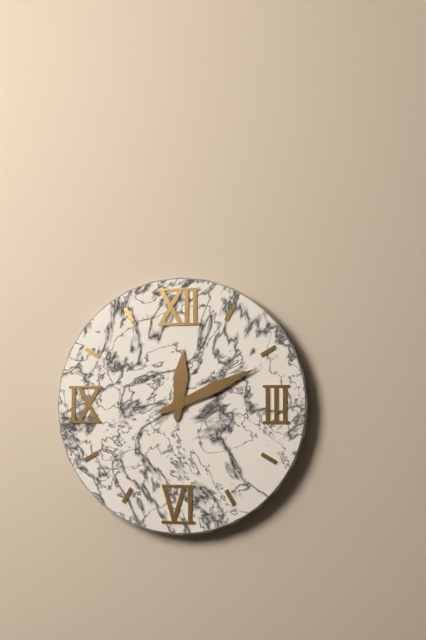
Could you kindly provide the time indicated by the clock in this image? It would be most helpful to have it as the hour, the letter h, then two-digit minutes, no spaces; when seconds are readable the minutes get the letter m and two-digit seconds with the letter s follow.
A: 12h11
